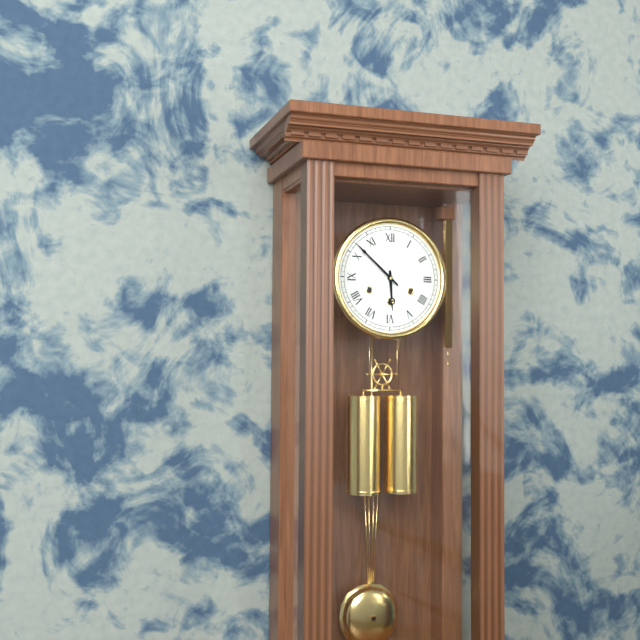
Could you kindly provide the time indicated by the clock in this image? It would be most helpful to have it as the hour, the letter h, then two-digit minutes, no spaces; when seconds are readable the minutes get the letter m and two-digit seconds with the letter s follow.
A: 5h52
